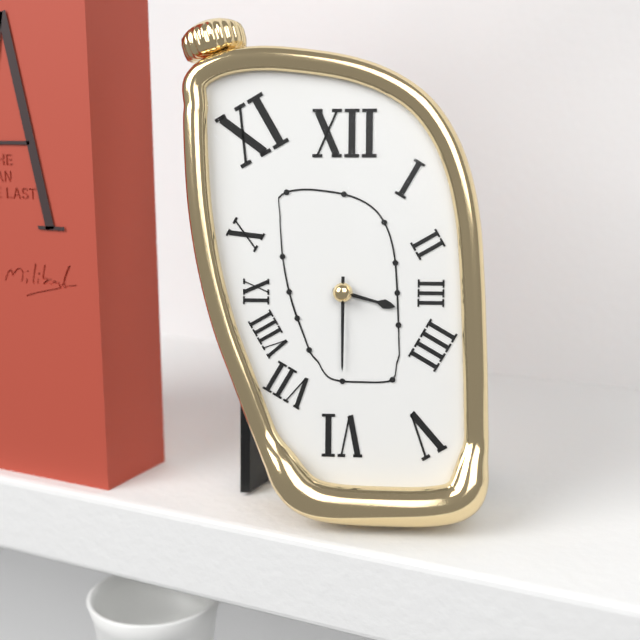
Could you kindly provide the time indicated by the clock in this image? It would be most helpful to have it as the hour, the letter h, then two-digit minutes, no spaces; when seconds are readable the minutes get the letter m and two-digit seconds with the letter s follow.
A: 3h30
